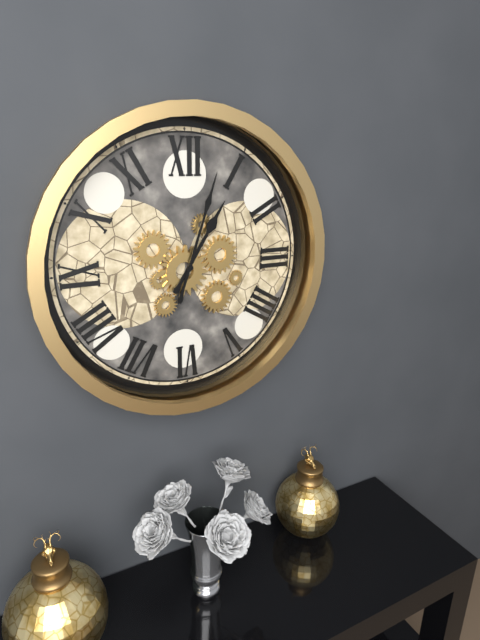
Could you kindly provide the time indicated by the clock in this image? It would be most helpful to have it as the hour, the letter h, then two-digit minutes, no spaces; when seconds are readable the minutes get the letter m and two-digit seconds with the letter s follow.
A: 1h03
